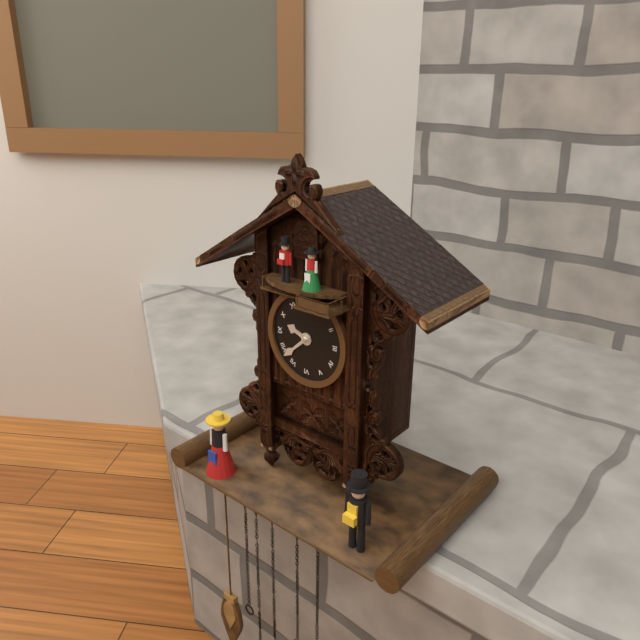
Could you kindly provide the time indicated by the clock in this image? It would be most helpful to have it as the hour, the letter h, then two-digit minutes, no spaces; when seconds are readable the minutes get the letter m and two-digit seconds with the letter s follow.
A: 9h38
